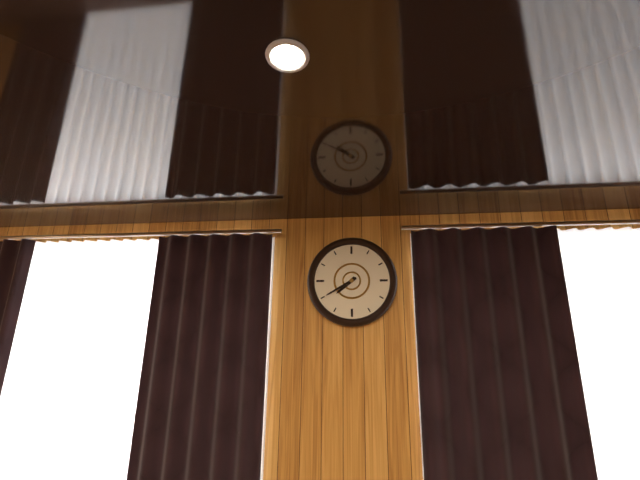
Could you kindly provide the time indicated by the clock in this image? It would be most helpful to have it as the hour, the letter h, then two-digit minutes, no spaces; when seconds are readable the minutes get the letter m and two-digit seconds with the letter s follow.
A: 7h40
